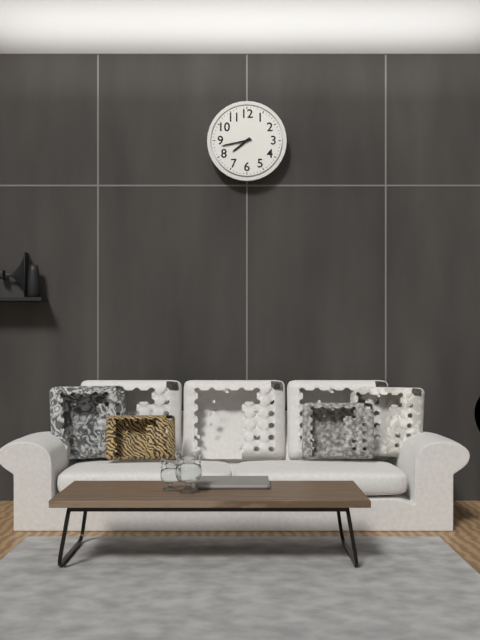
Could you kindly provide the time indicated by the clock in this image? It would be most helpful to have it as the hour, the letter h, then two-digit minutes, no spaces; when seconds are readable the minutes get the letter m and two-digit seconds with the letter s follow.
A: 7h43
